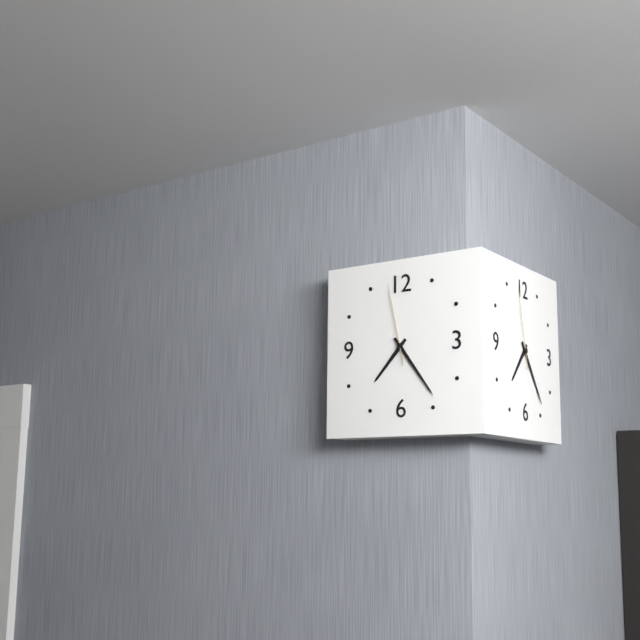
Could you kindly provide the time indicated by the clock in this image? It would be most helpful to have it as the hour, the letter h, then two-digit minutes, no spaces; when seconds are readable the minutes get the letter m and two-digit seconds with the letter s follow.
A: 7h24m58s
